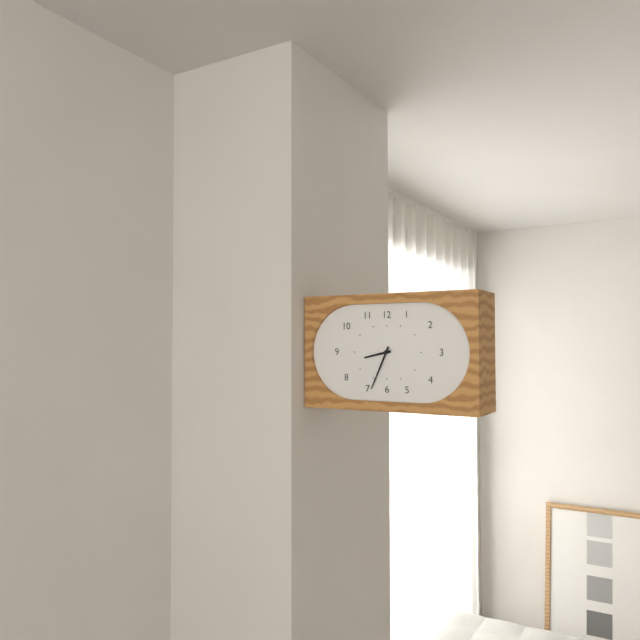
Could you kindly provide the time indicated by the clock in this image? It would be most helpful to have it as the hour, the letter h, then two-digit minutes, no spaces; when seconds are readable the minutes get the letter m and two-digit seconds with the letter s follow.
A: 8h34
